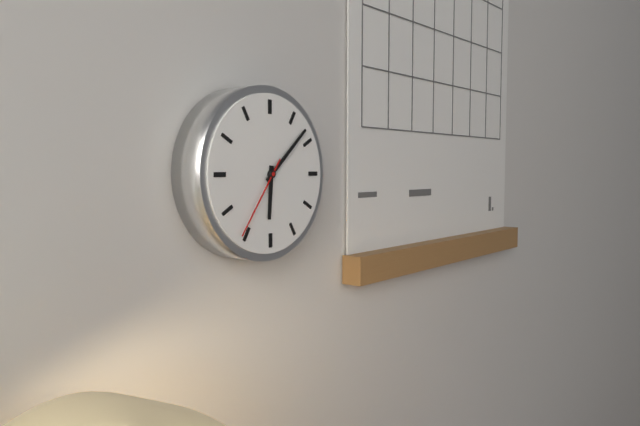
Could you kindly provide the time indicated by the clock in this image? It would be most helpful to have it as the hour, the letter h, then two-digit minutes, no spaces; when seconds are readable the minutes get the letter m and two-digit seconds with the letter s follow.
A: 6h08m36s
